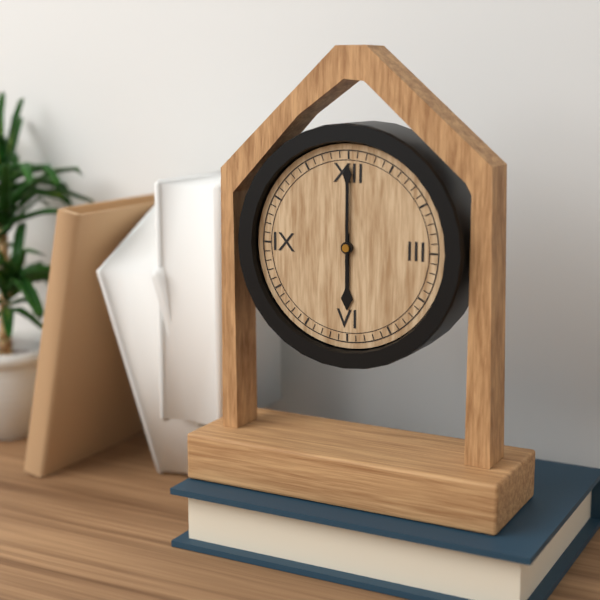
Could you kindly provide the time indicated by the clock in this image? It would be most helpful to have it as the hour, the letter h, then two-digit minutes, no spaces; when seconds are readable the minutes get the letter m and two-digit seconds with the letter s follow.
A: 6h00
